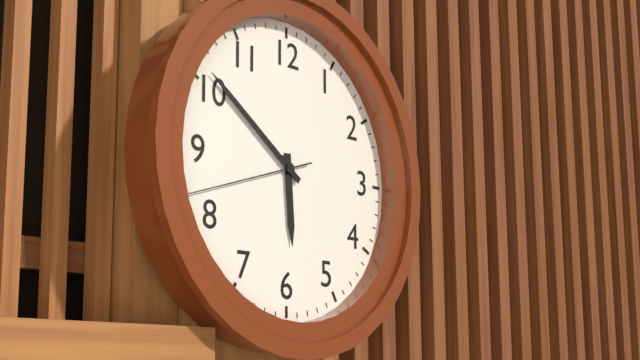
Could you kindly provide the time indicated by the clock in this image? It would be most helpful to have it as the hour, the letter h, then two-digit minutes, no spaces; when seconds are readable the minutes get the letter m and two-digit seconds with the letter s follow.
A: 5h51m42s
